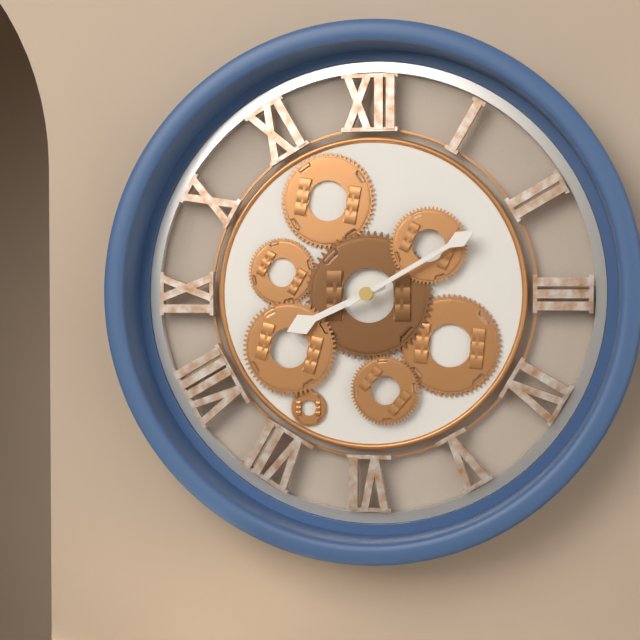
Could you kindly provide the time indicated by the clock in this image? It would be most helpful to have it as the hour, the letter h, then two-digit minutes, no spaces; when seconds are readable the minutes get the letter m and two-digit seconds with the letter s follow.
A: 8h10
